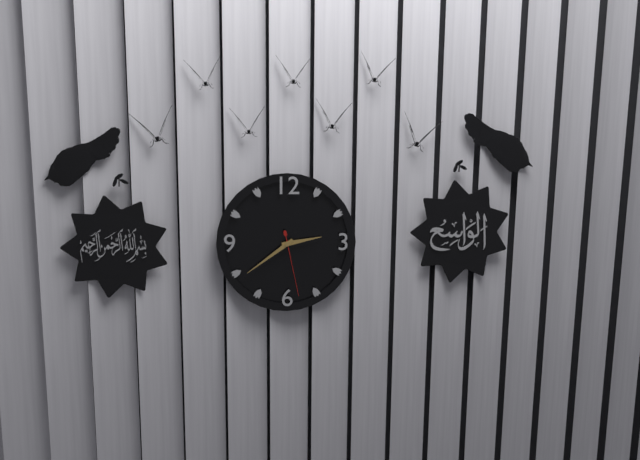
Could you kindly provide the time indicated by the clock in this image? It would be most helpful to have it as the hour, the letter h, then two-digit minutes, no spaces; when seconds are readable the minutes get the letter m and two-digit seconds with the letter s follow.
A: 2h39m28s
